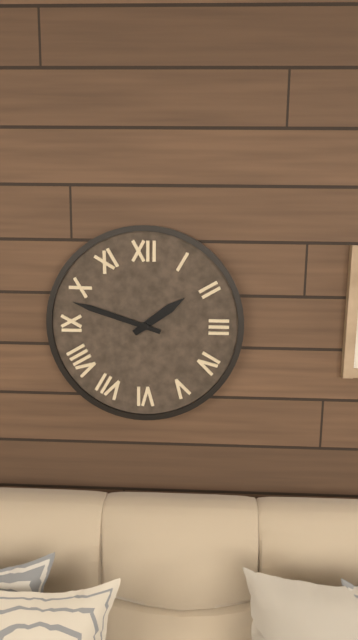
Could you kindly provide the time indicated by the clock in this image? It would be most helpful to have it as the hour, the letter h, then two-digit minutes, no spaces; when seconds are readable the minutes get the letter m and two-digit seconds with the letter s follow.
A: 1h48
